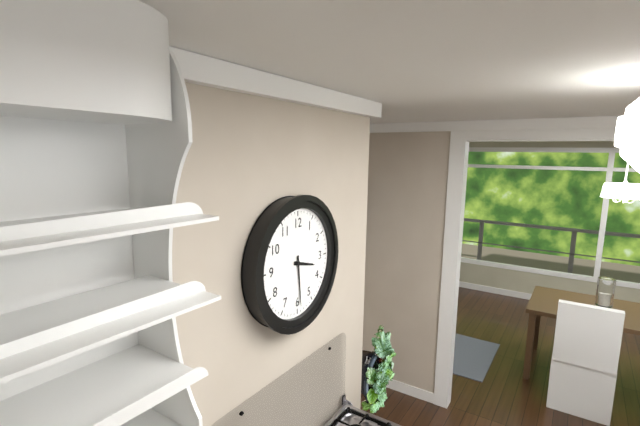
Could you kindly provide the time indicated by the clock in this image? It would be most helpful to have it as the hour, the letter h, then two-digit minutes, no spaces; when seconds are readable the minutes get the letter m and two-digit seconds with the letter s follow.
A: 3h29
